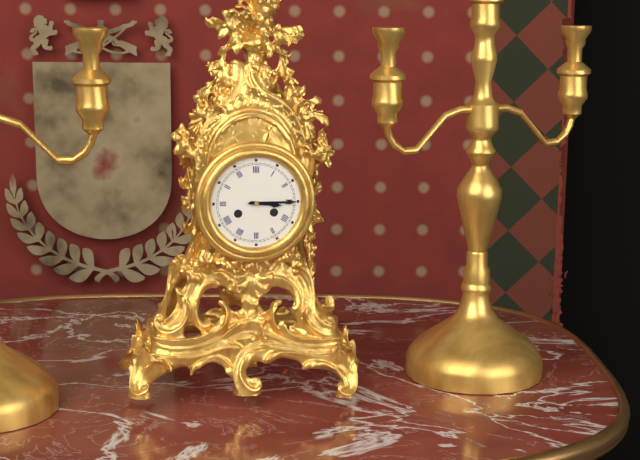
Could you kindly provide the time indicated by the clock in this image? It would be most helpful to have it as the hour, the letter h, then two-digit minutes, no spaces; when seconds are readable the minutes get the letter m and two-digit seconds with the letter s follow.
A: 3h15
